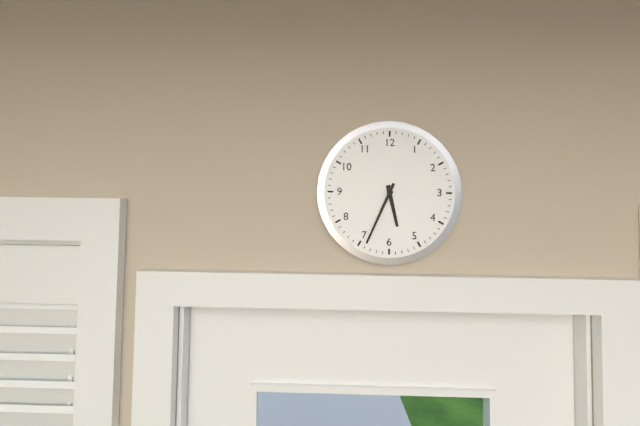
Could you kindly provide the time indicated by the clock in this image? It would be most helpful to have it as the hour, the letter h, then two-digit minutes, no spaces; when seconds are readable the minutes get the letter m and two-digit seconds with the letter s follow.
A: 5h34
